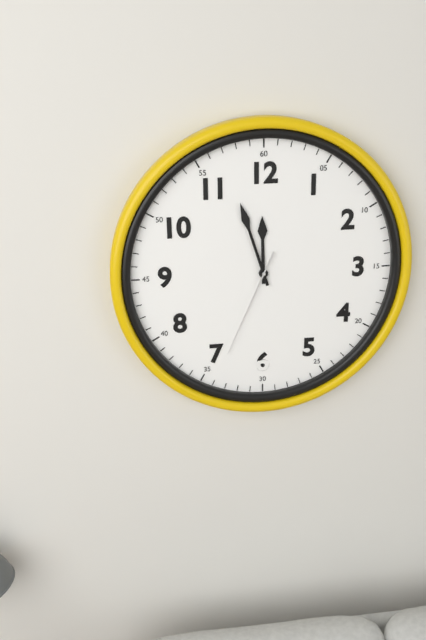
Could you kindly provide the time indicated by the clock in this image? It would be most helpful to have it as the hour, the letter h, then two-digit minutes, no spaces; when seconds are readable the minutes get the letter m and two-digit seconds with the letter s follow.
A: 11h57m34s
